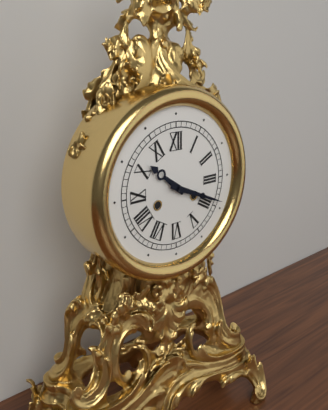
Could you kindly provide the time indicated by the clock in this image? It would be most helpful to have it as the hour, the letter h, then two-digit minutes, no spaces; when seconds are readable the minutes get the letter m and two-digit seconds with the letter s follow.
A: 10h19
